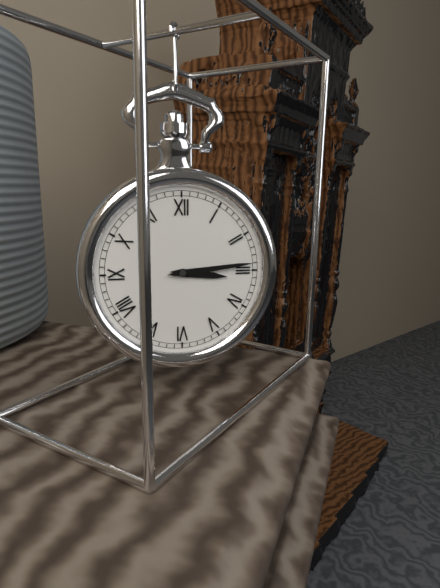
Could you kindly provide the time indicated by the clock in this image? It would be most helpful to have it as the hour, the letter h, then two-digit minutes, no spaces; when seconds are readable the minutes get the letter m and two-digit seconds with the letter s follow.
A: 3h14
